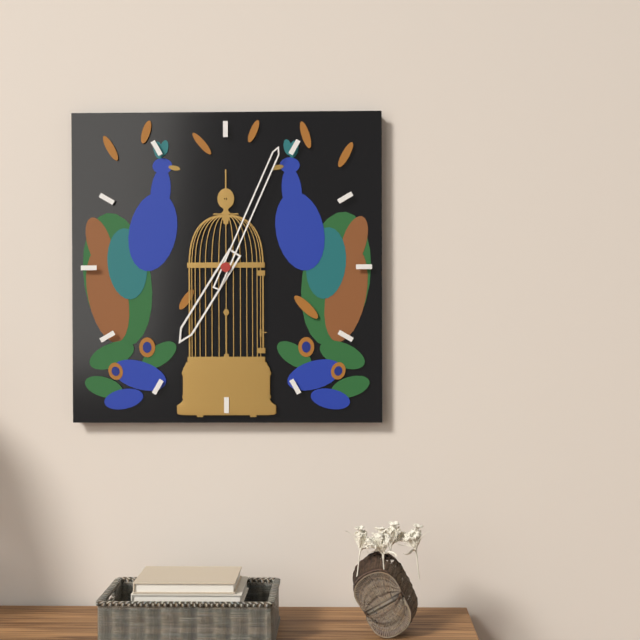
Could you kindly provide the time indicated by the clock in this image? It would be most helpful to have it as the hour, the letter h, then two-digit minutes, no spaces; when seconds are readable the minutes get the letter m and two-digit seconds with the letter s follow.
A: 7h04
